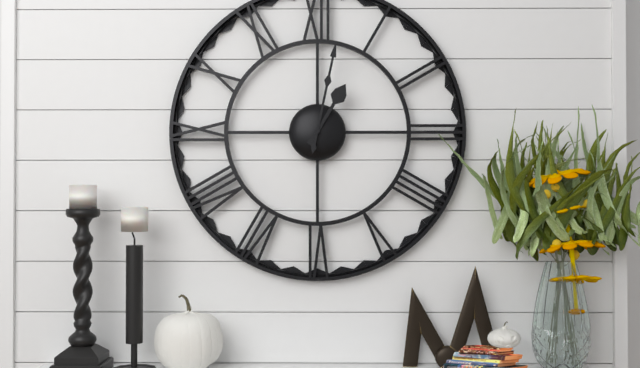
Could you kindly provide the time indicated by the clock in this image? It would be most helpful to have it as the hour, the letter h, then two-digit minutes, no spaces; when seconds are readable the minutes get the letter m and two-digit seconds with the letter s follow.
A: 1h02
